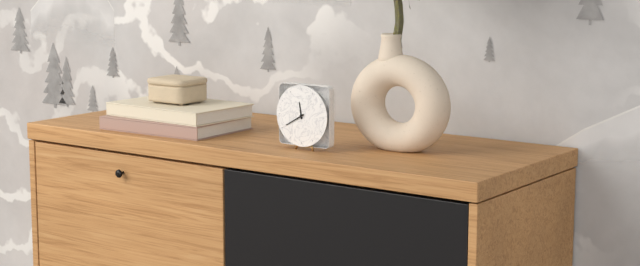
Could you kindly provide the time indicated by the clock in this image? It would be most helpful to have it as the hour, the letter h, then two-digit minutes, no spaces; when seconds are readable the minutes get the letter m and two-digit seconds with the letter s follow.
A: 11h40
